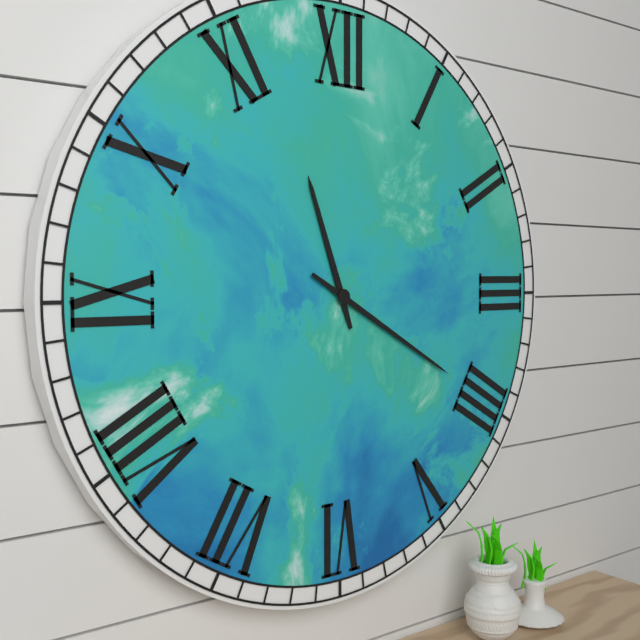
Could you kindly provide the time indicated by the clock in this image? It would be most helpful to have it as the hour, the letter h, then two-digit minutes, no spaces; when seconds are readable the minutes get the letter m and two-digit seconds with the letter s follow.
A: 11h20
